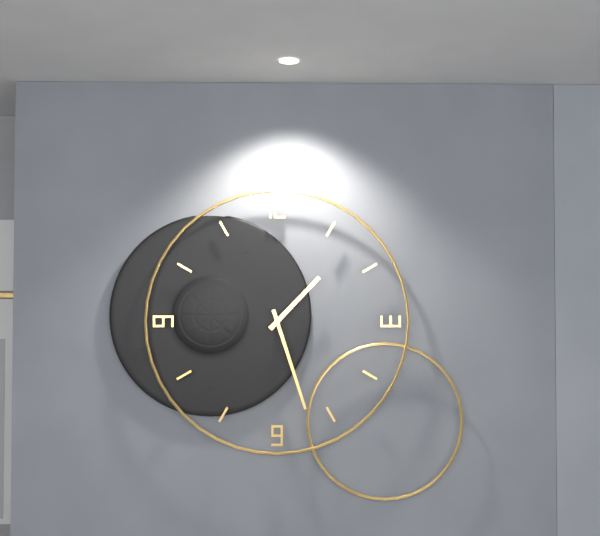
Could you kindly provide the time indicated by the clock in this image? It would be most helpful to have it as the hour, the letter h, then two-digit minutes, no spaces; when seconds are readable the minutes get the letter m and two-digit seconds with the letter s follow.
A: 1h27
